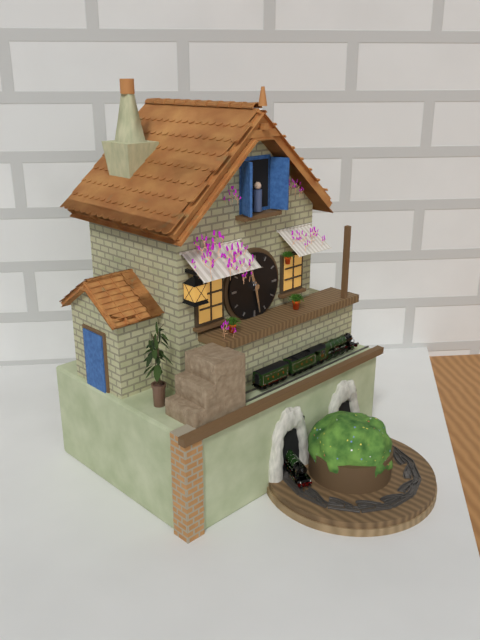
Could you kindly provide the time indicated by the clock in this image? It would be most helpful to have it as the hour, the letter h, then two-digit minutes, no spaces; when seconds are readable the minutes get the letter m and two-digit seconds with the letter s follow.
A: 11h28
